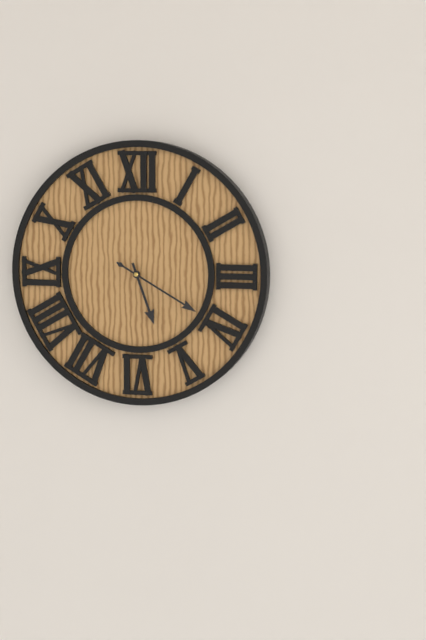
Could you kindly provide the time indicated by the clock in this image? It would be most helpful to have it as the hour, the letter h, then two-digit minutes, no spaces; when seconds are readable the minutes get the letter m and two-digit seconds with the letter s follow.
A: 5h20
